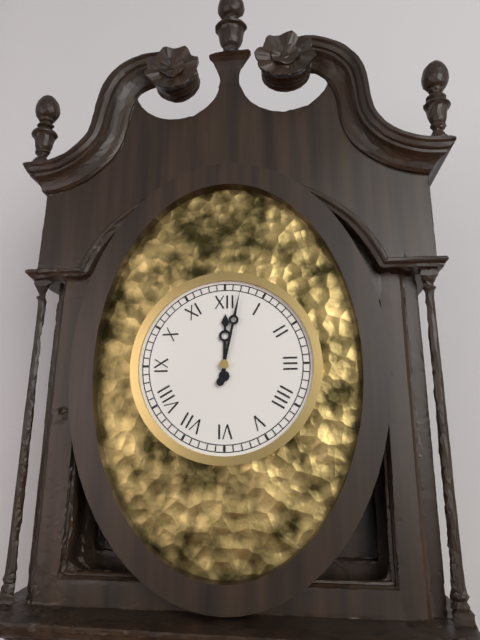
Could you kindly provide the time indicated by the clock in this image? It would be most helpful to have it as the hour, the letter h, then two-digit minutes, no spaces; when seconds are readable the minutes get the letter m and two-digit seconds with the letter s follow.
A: 12h02
